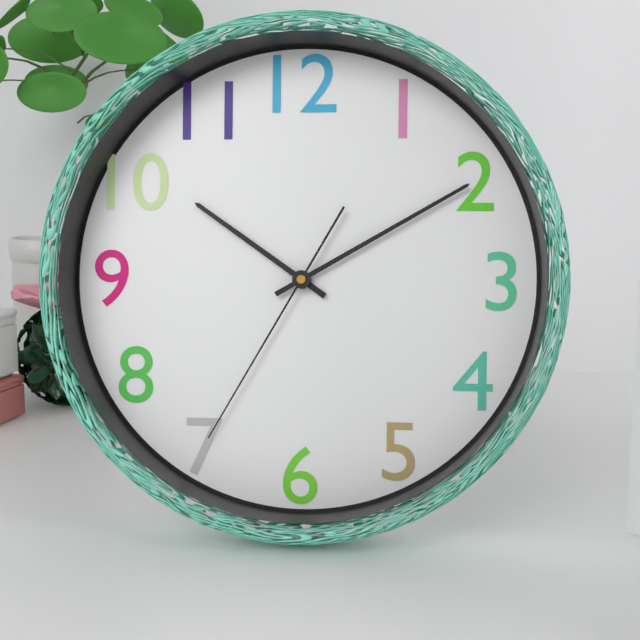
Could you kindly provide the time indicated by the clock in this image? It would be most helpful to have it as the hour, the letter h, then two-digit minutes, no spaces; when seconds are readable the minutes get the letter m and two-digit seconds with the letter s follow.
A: 10h10m35s
